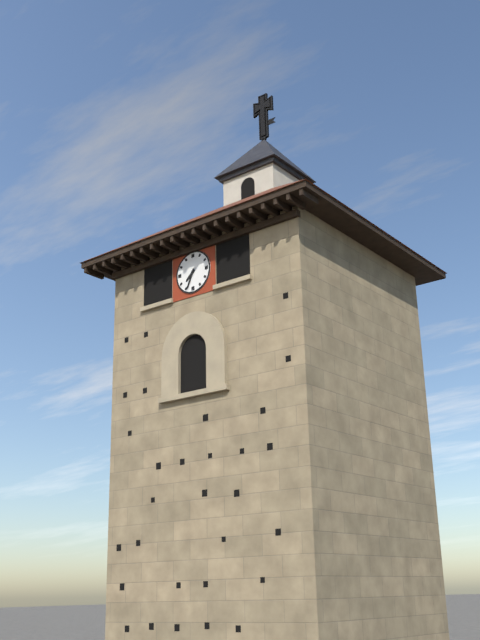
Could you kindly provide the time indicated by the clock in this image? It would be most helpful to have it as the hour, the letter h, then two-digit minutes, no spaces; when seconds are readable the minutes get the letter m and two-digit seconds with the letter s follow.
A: 7h34
